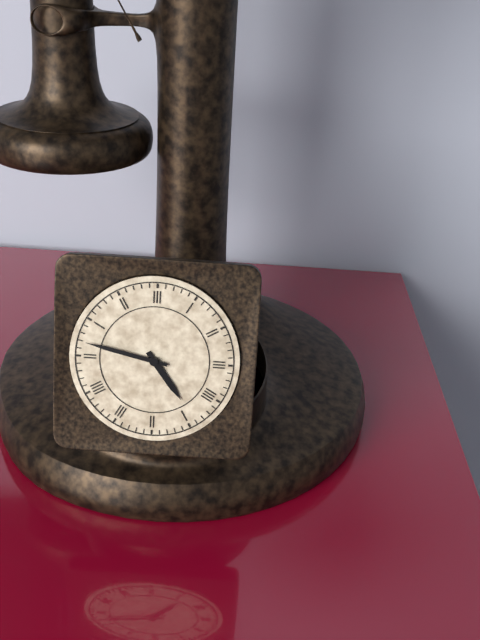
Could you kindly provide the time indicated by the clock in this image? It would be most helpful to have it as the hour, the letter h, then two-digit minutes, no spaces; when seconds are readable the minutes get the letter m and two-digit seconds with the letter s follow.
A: 4h47
